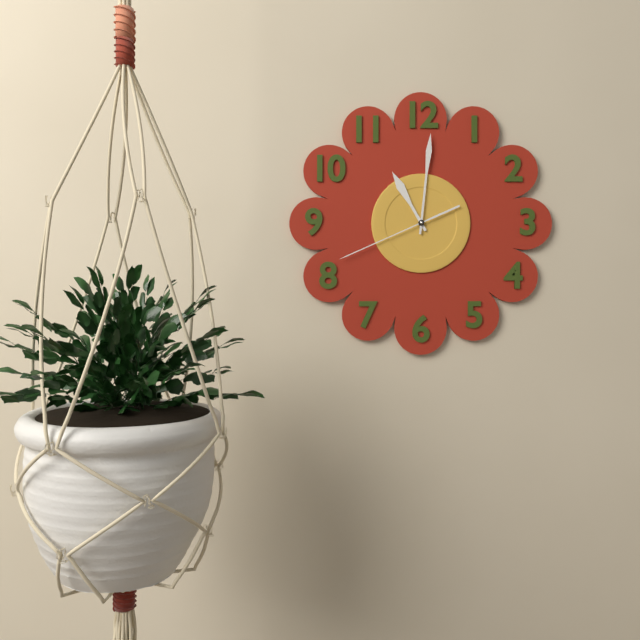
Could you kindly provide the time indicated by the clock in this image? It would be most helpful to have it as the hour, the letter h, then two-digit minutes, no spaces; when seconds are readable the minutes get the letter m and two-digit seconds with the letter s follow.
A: 11h01m41s
